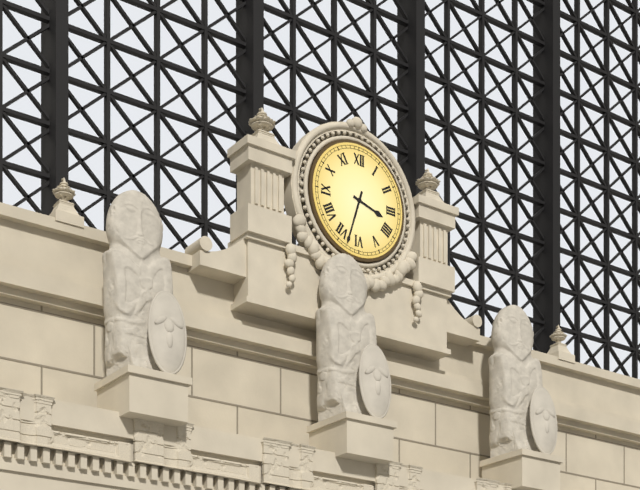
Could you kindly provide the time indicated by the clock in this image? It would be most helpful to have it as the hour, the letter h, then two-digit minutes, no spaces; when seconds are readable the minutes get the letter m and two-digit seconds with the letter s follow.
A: 3h33
